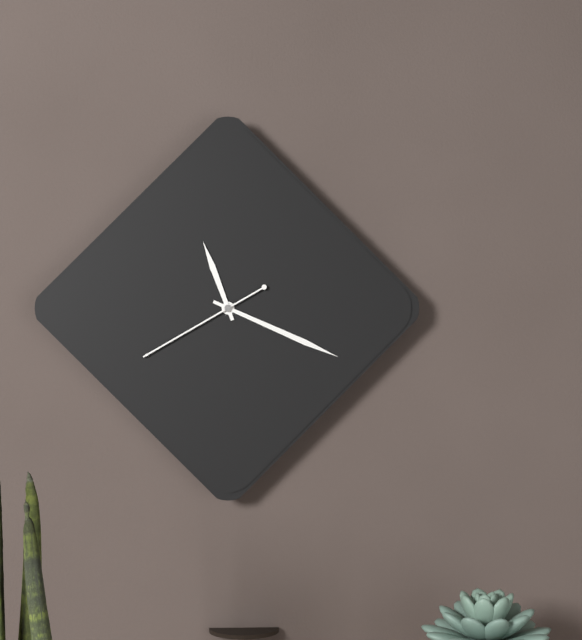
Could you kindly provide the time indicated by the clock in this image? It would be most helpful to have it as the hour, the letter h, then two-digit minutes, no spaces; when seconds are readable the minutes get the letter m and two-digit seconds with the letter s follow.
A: 11h19m40s
